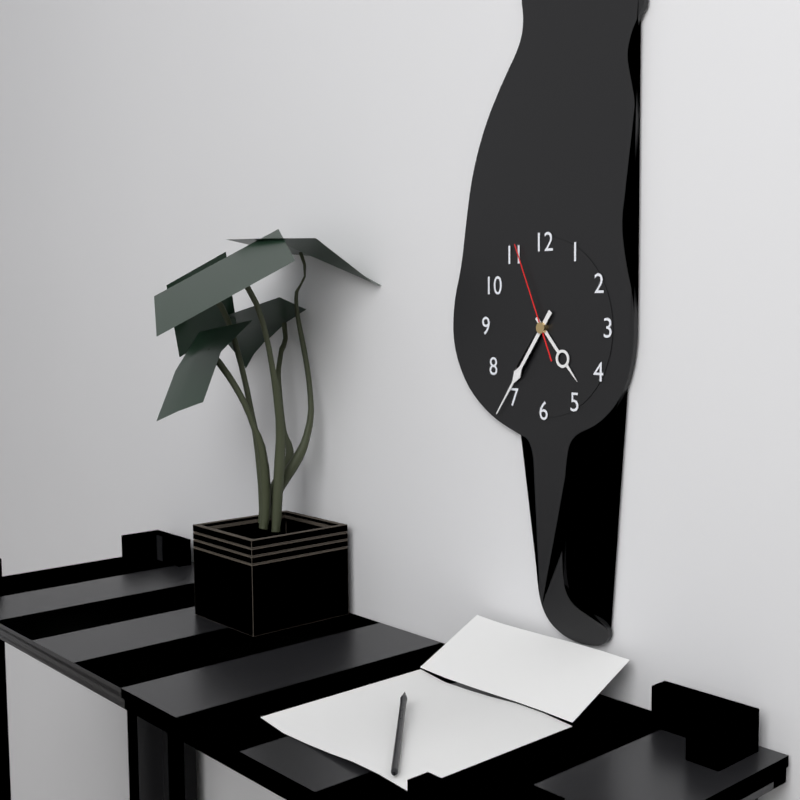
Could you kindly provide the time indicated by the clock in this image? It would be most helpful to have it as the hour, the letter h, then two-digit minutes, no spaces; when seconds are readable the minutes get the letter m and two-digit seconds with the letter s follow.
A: 4h36m56s
